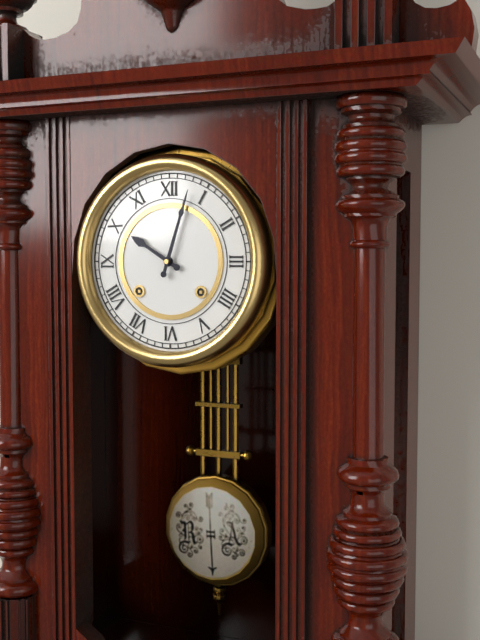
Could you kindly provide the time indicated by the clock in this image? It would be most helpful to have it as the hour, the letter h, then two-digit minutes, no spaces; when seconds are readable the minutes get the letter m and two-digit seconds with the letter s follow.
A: 10h03
